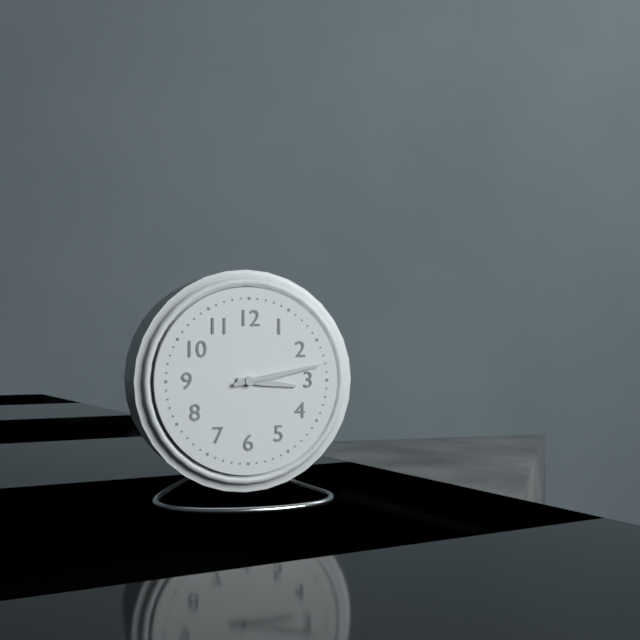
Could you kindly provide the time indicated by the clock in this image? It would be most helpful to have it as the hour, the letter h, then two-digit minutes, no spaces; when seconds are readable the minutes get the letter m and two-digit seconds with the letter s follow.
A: 3h13
